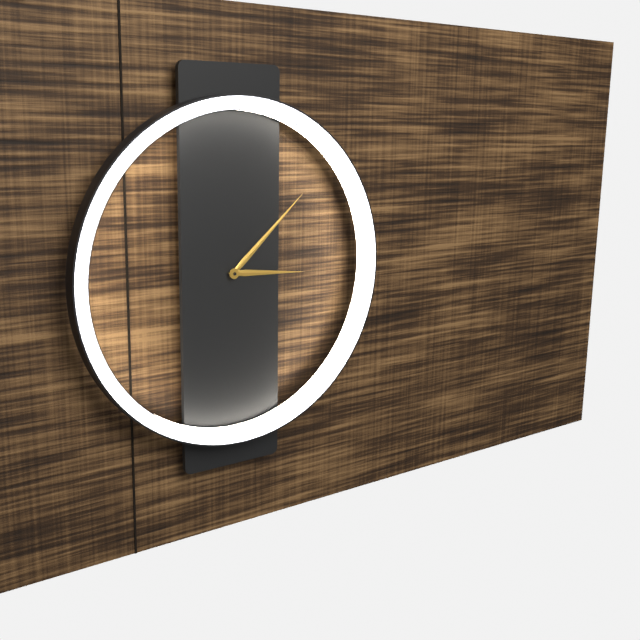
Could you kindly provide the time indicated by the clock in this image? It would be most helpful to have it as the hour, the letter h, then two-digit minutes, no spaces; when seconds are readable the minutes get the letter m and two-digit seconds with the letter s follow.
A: 3h08
